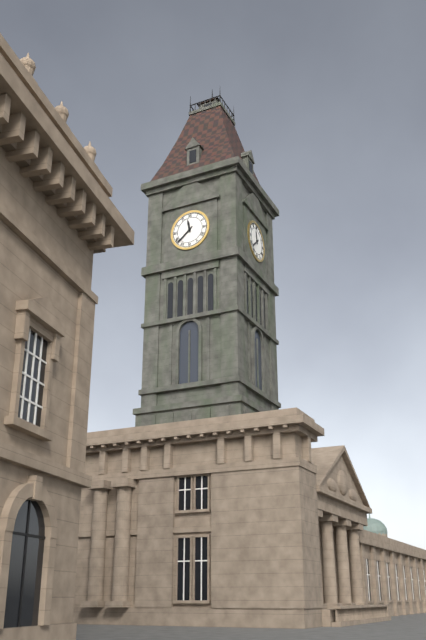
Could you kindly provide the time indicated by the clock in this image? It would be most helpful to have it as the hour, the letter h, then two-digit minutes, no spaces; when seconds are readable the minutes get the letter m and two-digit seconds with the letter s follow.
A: 11h38
